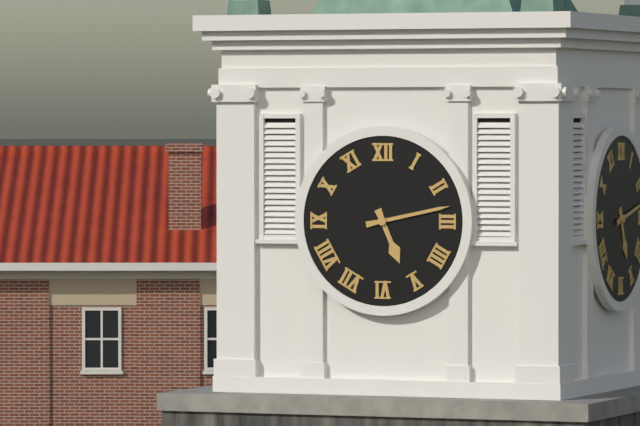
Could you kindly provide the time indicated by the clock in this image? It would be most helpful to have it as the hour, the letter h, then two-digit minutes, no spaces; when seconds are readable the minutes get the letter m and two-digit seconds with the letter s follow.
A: 5h13
